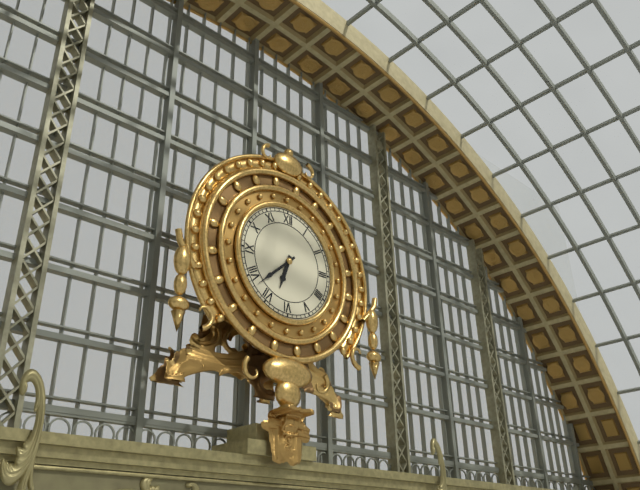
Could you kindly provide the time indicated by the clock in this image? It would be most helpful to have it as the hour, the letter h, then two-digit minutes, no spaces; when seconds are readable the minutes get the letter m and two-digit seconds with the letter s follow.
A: 6h38
